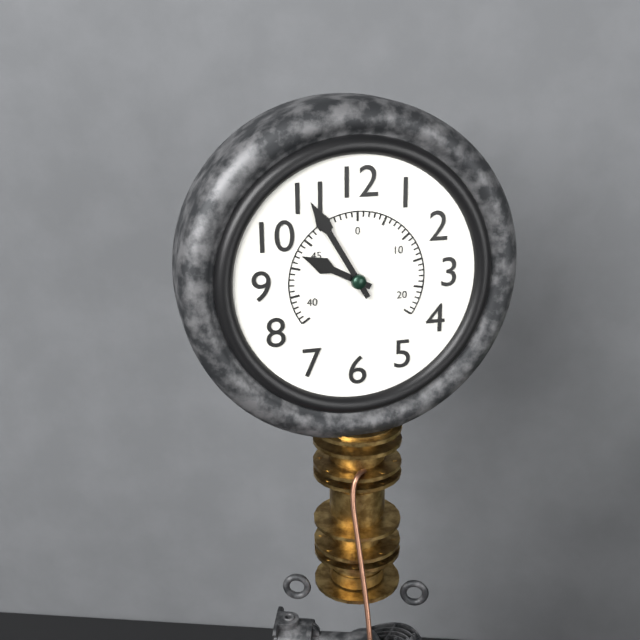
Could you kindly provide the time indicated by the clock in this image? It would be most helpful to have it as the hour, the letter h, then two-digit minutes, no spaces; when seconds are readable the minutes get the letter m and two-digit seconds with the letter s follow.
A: 9h55
